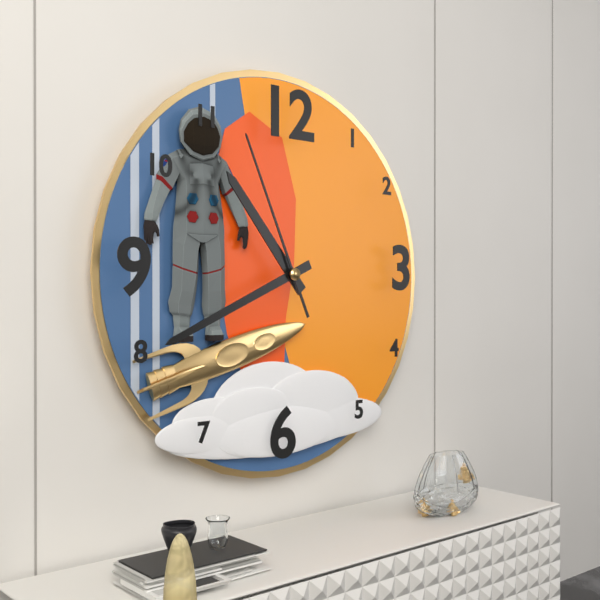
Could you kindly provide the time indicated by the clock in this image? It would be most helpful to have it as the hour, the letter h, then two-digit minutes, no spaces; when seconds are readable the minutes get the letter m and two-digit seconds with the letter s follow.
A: 10h41m56s
